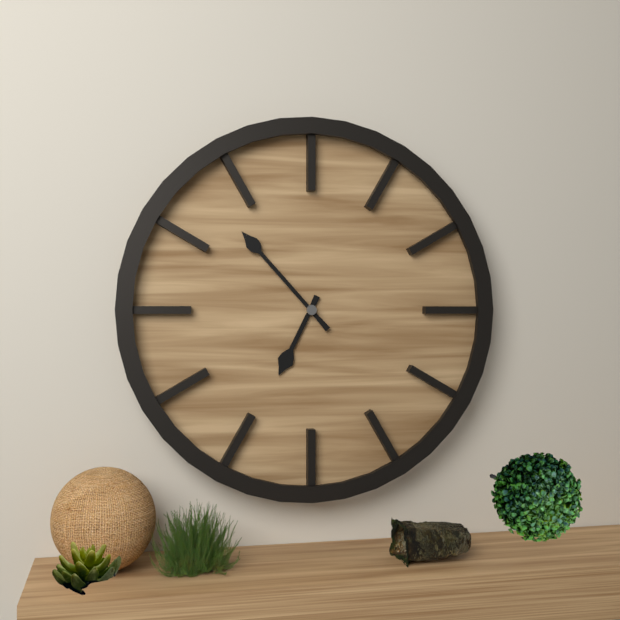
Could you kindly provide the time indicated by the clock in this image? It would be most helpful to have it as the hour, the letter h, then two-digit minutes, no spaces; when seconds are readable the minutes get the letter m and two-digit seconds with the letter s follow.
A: 6h53
